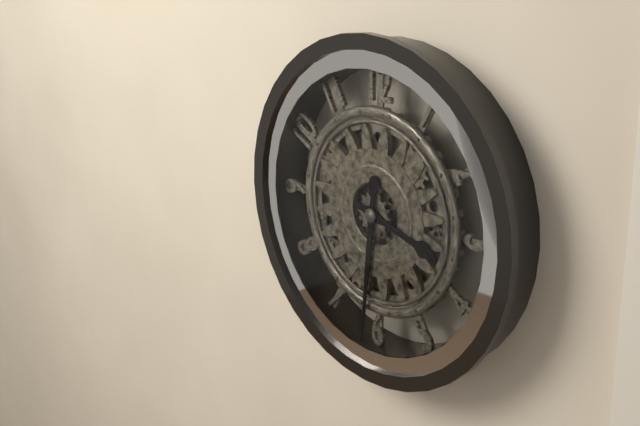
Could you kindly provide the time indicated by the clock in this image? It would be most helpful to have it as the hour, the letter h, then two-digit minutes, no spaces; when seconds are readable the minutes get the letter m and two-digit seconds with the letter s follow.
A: 3h31
